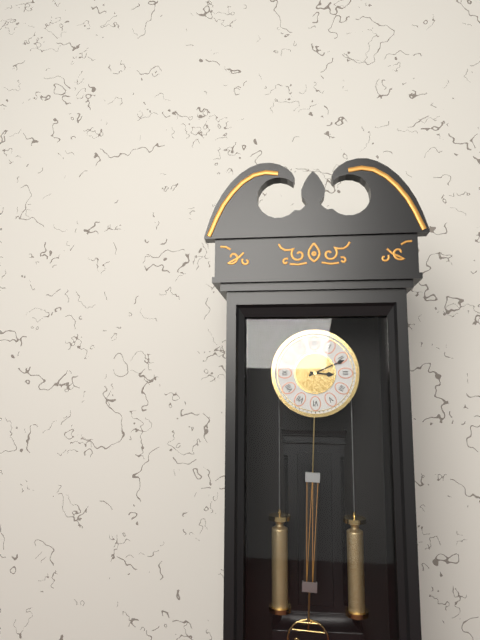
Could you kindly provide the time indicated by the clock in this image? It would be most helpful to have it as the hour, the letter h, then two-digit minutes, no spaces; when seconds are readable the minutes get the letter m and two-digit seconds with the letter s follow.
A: 3h11
